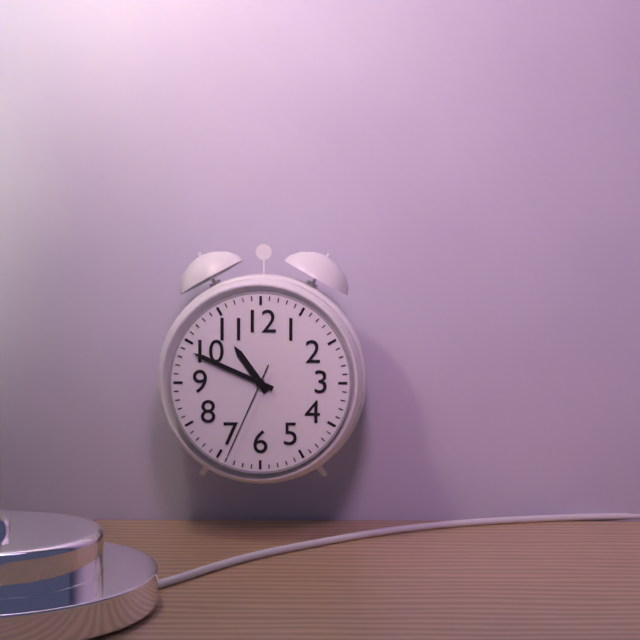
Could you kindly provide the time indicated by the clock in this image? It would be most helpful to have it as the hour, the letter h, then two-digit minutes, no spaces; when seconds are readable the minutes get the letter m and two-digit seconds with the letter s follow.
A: 10h49m34s
